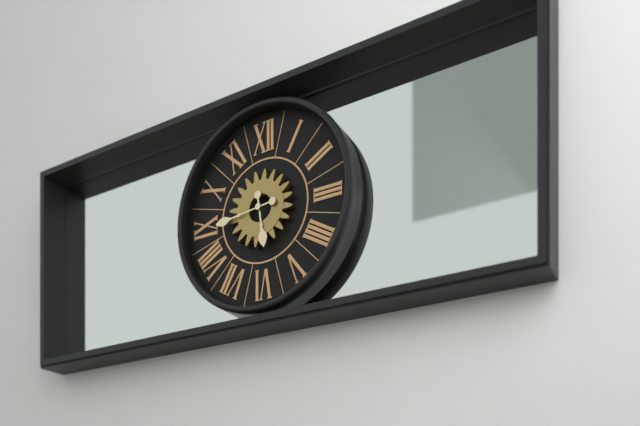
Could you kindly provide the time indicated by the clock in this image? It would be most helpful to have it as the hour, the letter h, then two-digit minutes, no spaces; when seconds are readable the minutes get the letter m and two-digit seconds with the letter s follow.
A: 5h44
